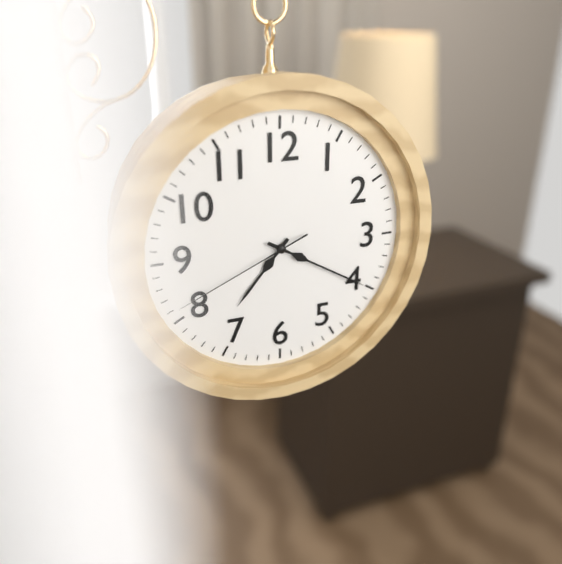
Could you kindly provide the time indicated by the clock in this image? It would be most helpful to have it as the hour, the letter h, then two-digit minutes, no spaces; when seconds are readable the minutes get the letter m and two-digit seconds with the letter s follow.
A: 7h20m41s
